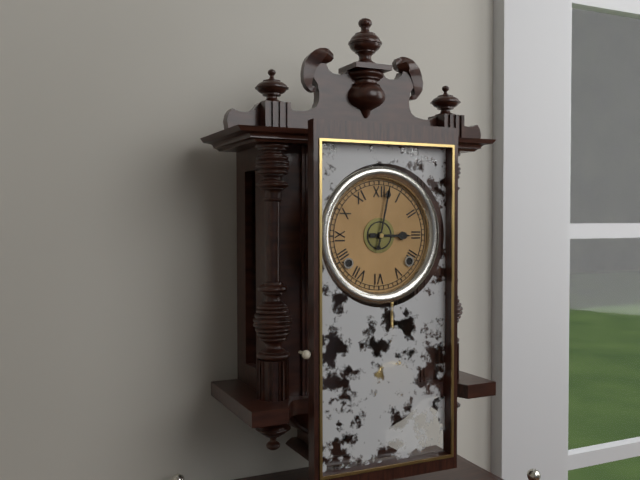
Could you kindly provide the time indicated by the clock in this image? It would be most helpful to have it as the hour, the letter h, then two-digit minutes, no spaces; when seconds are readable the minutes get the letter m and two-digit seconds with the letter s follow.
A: 3h02
